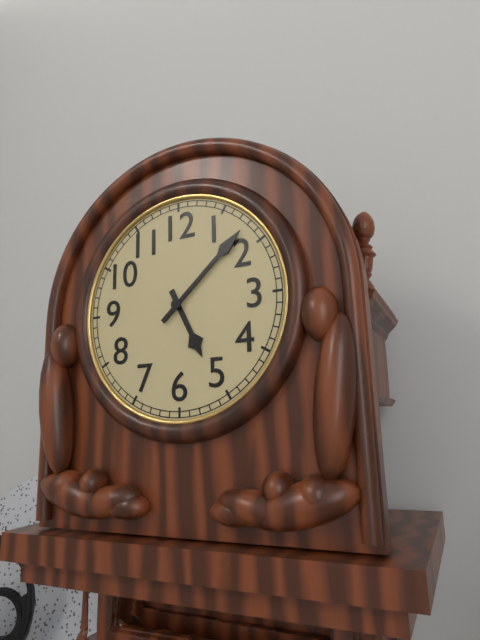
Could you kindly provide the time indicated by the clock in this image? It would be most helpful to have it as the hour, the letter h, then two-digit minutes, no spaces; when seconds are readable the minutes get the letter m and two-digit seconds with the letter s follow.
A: 5h08
